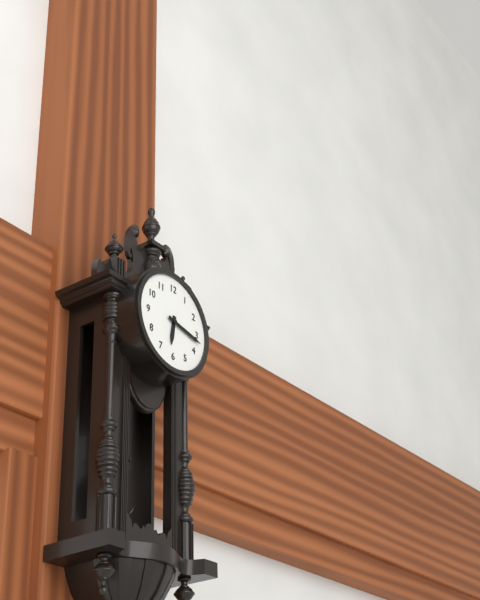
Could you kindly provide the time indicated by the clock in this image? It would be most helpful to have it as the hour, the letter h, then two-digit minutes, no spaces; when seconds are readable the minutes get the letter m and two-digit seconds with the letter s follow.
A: 6h17
